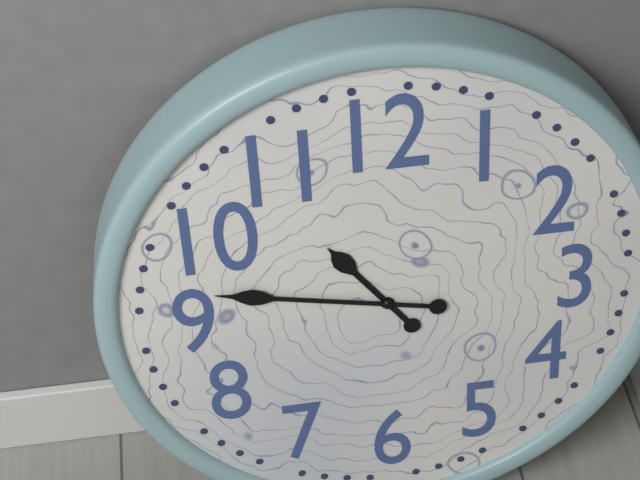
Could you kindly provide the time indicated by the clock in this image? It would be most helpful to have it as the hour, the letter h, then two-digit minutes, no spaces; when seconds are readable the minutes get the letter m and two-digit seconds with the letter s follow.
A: 10h47
